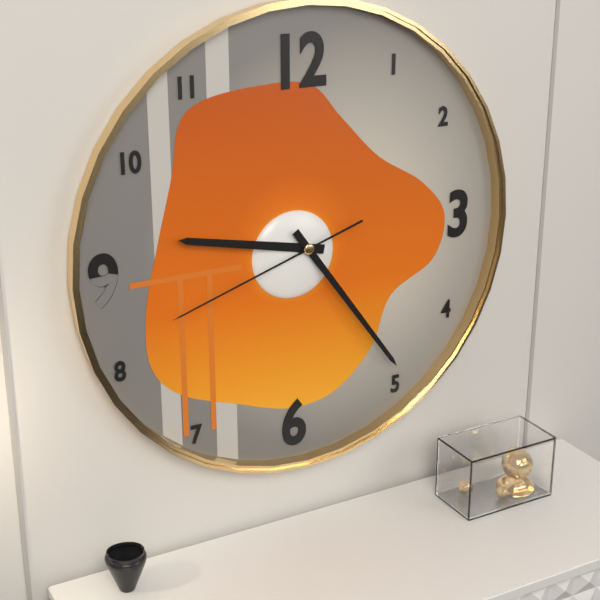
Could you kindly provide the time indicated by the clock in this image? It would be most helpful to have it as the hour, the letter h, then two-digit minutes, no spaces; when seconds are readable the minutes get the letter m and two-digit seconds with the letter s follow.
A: 9h24m42s
